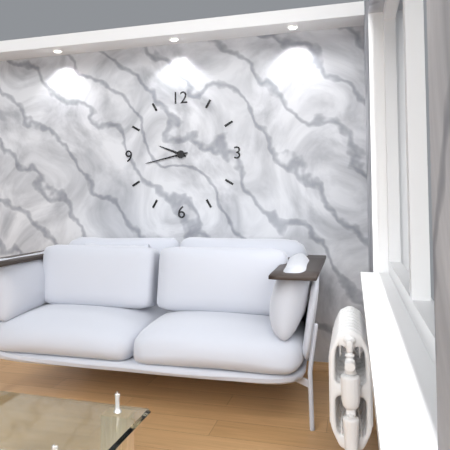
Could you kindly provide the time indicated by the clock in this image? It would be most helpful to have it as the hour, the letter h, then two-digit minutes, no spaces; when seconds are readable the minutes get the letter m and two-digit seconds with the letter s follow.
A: 9h43
